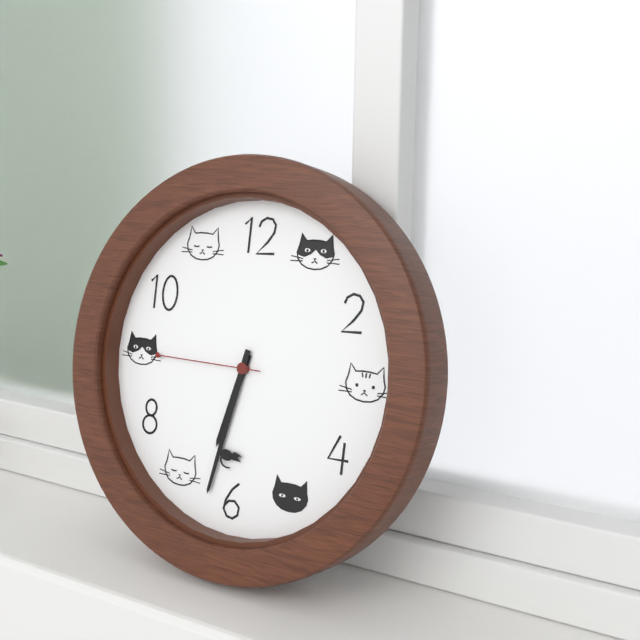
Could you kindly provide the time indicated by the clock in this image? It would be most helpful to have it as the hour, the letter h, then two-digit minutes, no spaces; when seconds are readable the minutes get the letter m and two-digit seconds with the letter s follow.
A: 6h32m45s
